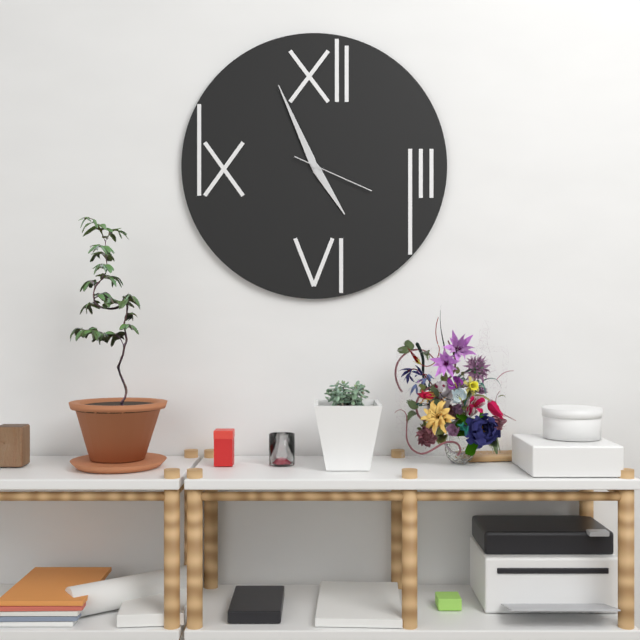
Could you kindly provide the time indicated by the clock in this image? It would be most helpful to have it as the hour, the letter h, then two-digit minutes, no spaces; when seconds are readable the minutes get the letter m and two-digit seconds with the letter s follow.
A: 4h56m19s
